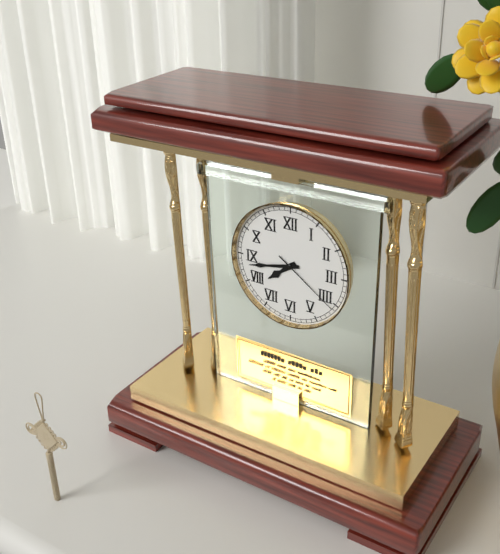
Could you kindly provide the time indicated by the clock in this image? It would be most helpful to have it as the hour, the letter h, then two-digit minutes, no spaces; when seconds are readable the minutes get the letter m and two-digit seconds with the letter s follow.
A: 7h43m21s
